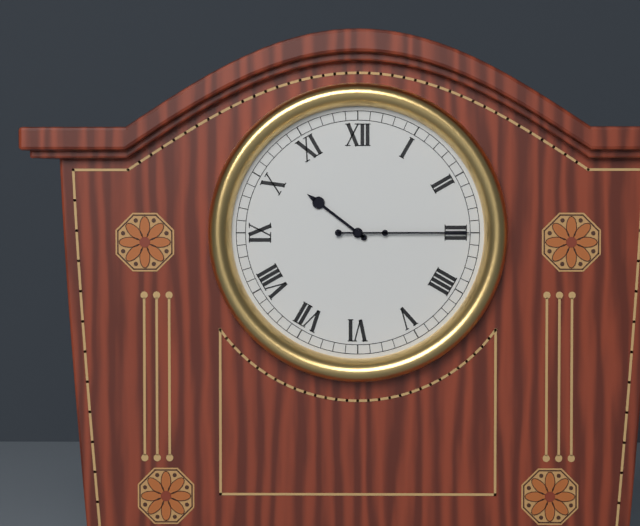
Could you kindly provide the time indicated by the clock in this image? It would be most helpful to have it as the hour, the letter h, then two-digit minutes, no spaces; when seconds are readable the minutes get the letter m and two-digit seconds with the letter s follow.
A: 10h15
